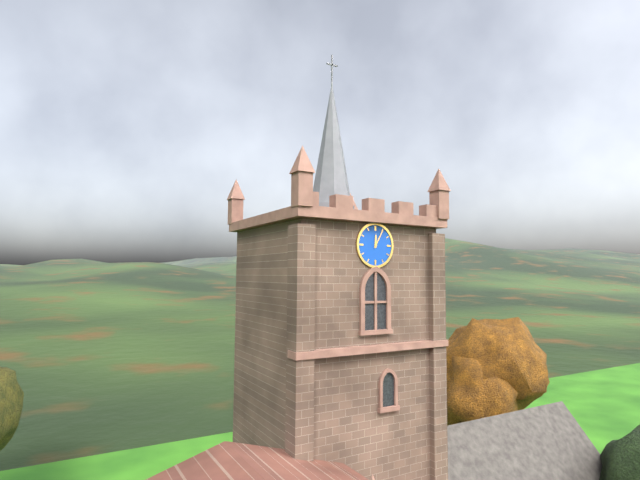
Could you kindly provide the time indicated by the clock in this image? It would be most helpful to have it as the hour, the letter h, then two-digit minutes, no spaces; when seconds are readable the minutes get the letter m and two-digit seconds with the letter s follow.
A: 12h05
